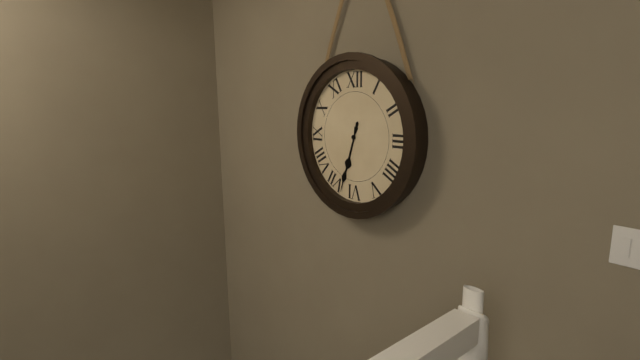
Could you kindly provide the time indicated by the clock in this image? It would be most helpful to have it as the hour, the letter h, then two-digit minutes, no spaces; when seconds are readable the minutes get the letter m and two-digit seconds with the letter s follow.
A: 6h33
